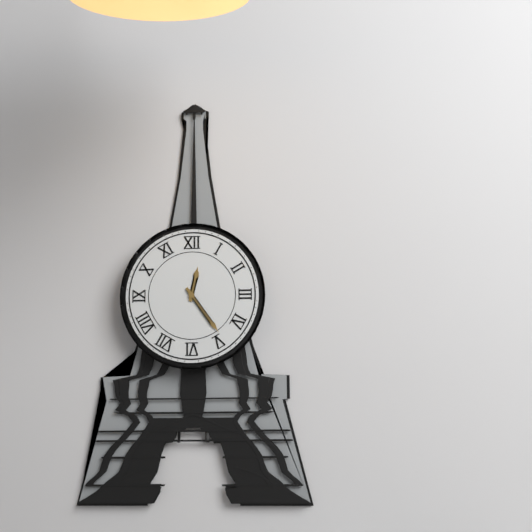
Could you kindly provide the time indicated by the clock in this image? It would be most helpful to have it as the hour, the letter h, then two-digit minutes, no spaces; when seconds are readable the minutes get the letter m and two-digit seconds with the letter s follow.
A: 12h24
